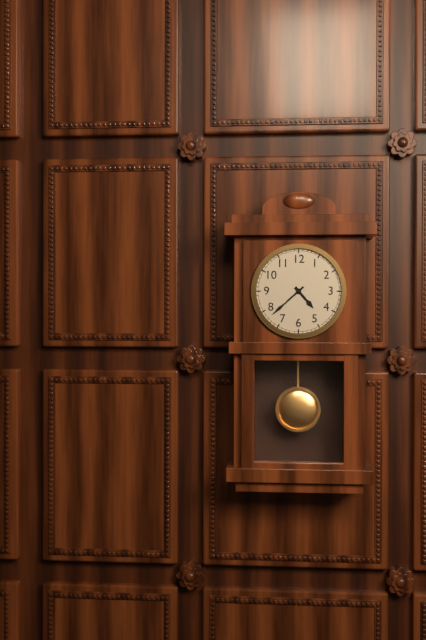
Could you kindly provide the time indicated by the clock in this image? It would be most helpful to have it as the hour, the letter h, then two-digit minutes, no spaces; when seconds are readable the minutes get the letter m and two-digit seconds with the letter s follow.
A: 4h38
